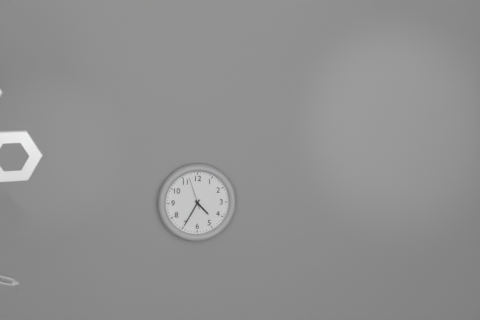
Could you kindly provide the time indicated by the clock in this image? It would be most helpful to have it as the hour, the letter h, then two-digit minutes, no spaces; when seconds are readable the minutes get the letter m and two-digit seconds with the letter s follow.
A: 4h35
